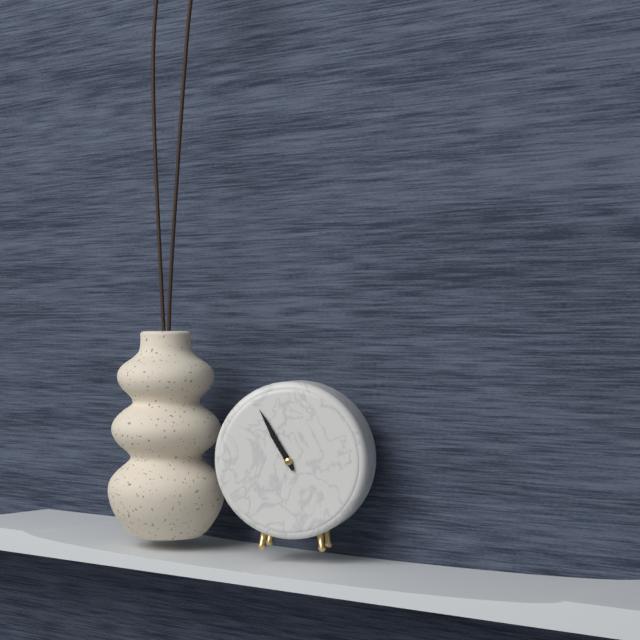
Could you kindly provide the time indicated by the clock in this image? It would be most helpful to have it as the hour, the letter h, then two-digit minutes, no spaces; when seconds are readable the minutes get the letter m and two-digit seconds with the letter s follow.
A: 10h55
